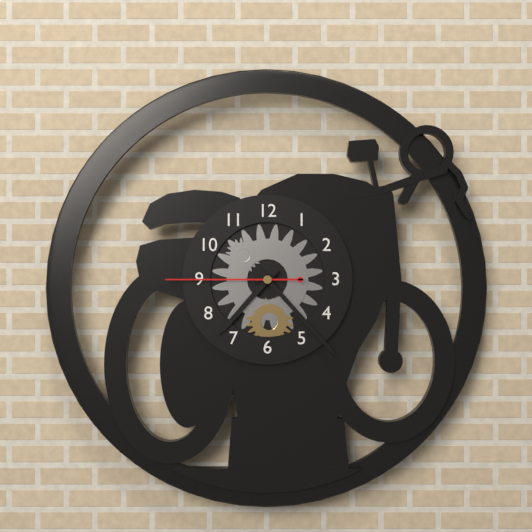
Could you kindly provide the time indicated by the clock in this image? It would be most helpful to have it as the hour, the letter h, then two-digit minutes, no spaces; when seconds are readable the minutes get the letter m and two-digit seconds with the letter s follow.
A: 7h23m45s
